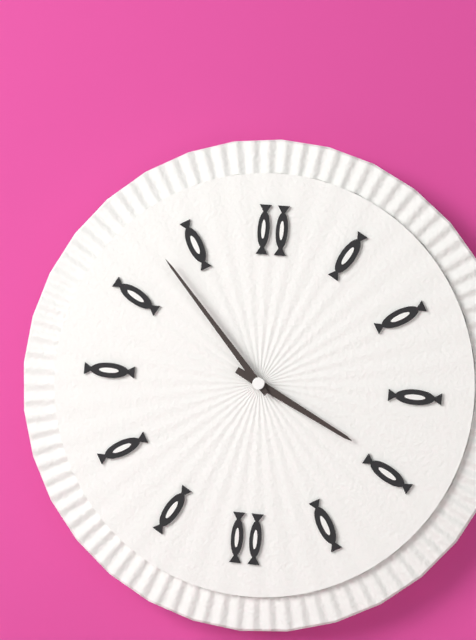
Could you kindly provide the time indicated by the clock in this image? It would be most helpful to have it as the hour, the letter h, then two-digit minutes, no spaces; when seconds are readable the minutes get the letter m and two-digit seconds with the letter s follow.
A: 3h53
